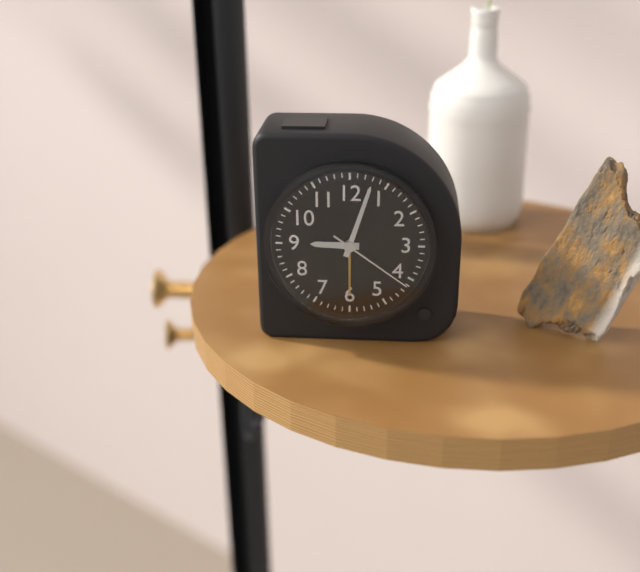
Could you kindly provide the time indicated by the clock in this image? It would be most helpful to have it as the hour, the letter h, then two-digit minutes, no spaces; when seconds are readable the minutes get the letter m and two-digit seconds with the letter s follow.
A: 9h03m21s
